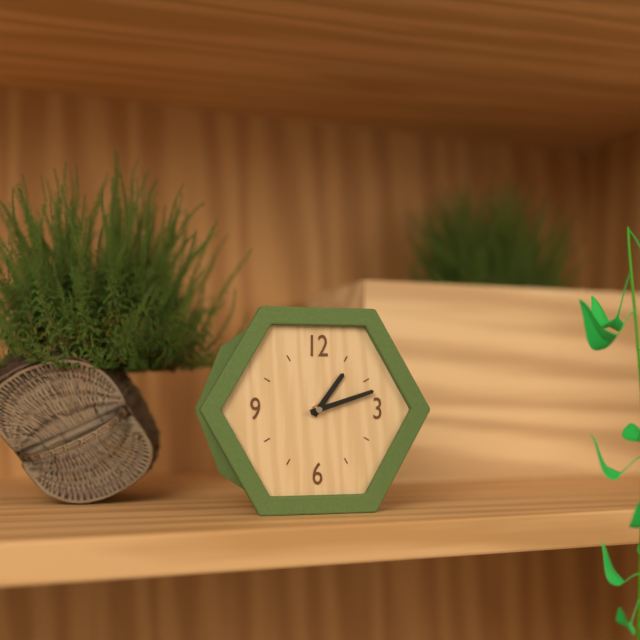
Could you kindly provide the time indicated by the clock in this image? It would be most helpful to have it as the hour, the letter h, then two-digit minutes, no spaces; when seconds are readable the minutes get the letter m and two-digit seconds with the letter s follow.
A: 1h12
